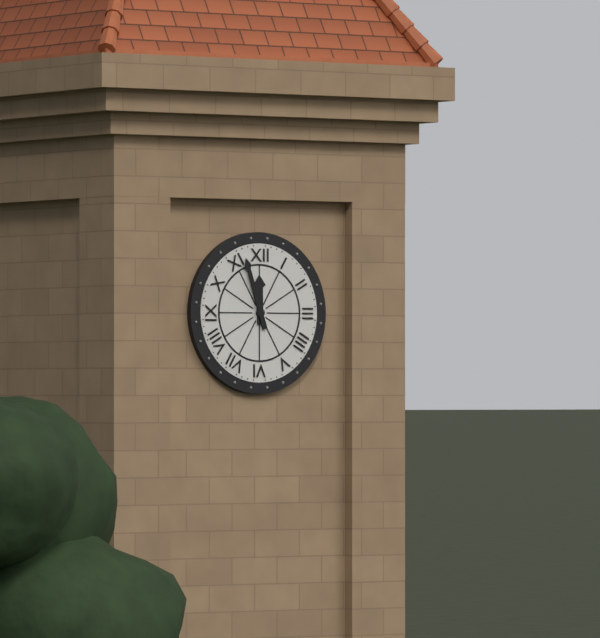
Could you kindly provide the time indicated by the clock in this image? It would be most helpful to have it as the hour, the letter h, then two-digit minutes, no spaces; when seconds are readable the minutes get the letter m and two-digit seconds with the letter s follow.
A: 11h57
